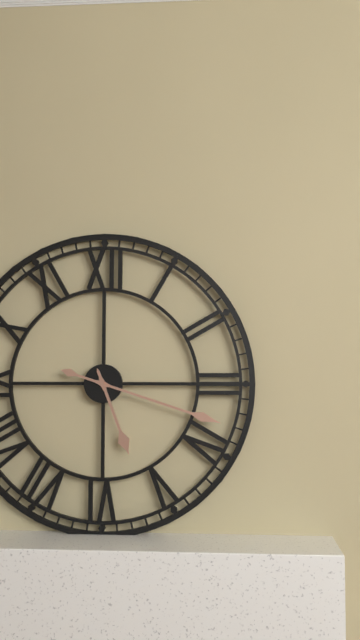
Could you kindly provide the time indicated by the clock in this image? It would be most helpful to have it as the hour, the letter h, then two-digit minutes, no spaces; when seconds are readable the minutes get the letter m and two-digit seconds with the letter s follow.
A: 5h18
